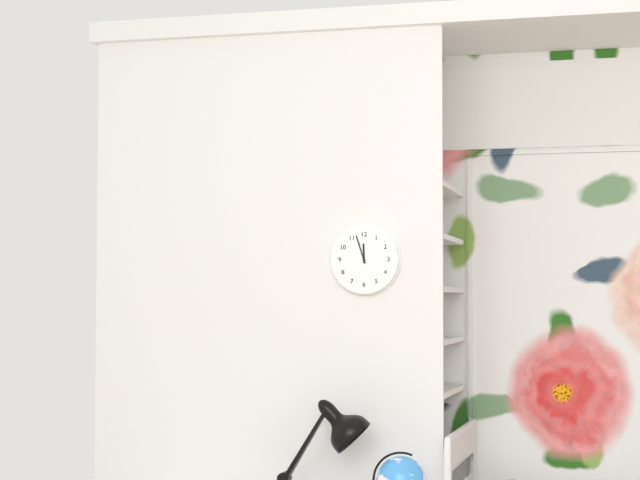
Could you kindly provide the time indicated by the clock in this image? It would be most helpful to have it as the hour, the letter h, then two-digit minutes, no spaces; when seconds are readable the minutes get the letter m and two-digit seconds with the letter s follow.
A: 11h57
